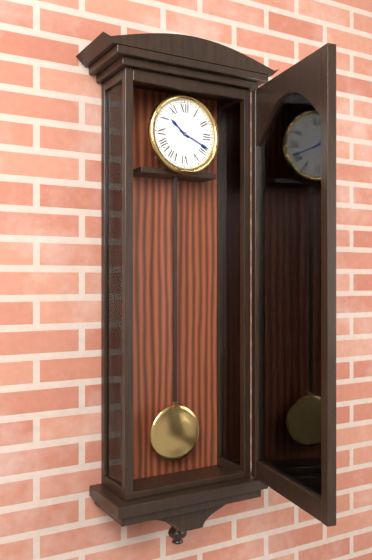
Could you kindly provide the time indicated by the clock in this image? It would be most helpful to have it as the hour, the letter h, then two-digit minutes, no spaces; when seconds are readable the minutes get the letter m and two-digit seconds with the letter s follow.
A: 10h19
